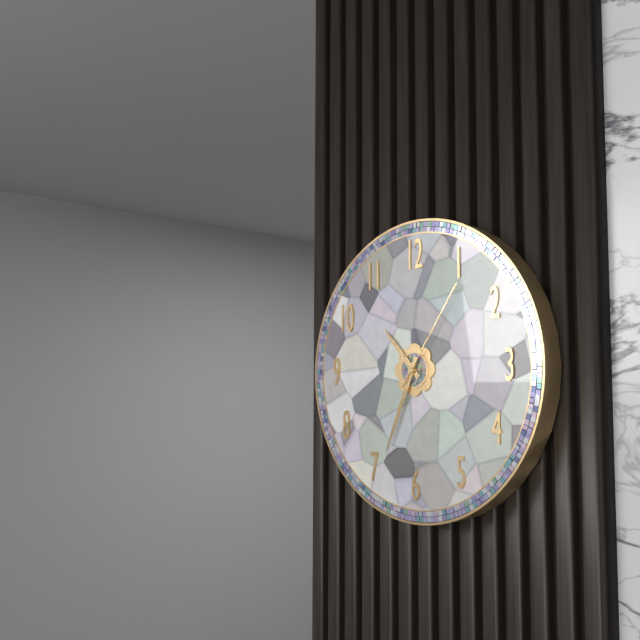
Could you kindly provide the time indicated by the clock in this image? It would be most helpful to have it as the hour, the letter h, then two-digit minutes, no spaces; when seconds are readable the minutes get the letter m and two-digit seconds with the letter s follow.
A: 10h34m06s
